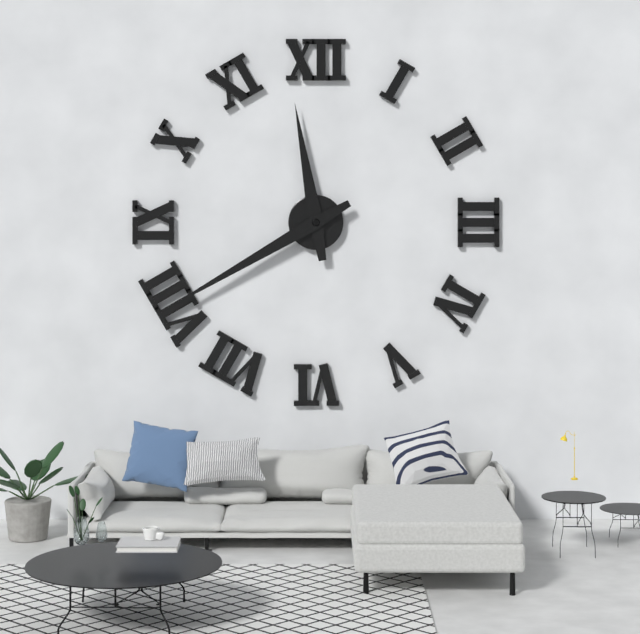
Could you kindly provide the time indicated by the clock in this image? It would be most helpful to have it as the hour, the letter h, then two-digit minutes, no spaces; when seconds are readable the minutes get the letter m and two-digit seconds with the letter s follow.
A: 11h40
